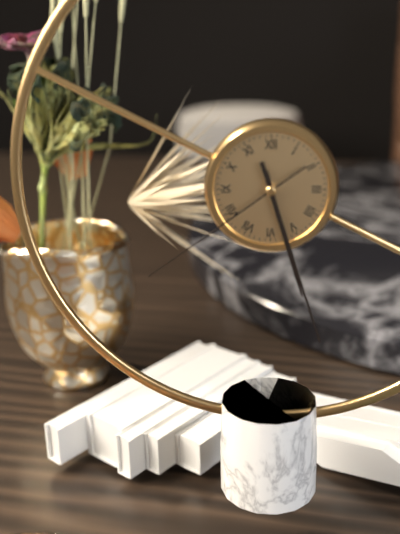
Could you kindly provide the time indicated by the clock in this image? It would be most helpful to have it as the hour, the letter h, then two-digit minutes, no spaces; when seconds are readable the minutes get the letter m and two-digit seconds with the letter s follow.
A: 5h27m39s
